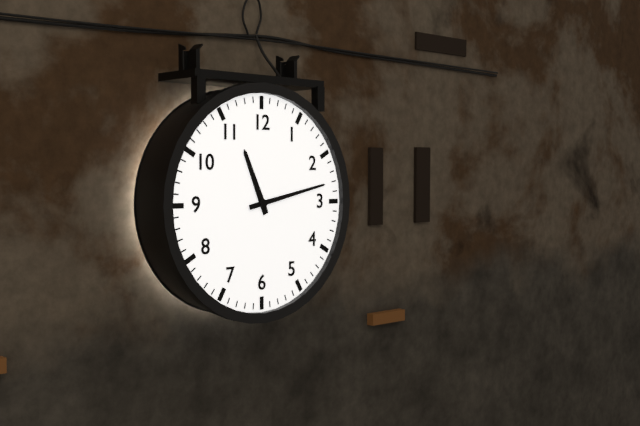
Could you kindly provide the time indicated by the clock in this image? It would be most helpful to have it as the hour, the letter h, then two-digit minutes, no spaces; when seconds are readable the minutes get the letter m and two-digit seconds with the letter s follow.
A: 11h13
